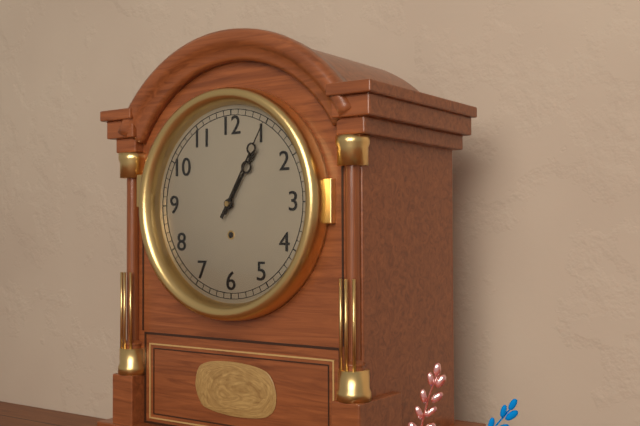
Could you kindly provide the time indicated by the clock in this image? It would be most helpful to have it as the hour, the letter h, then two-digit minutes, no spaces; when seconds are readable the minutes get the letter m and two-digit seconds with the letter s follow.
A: 1h05
